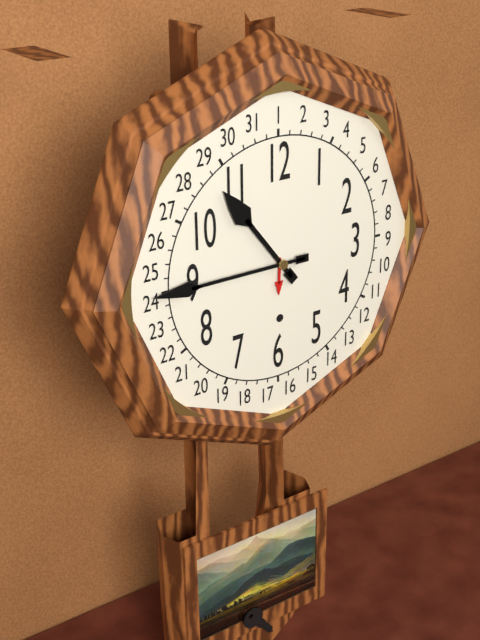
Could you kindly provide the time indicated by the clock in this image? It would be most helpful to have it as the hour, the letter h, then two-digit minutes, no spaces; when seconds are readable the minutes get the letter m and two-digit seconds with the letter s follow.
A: 10h45
